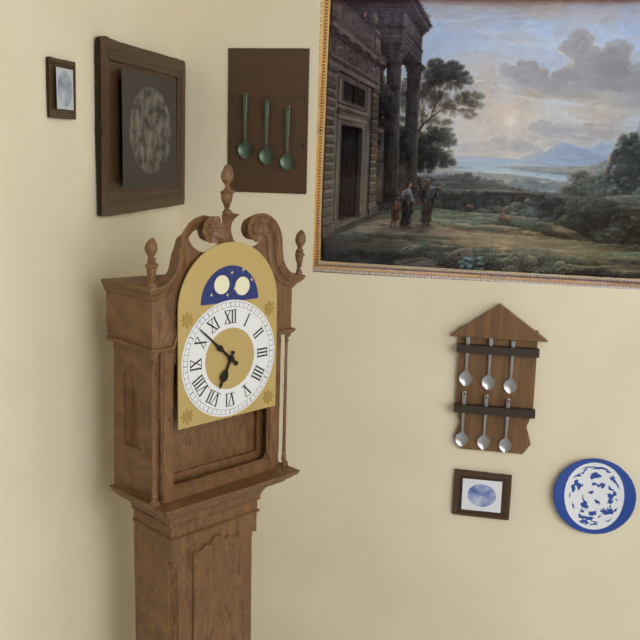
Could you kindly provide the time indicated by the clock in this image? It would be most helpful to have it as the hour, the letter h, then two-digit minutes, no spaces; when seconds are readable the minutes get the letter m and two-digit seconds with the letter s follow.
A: 6h52
